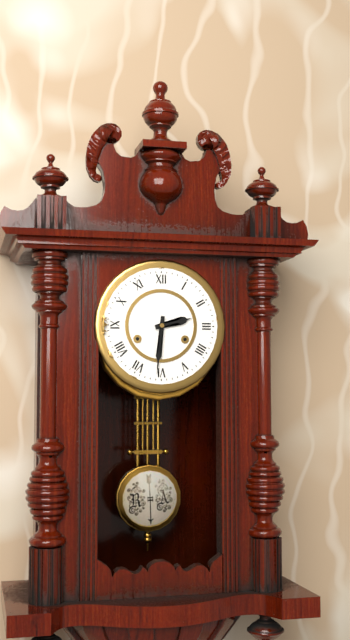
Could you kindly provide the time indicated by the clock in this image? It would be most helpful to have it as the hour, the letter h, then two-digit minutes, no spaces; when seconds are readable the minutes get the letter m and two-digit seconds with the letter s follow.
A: 2h31
